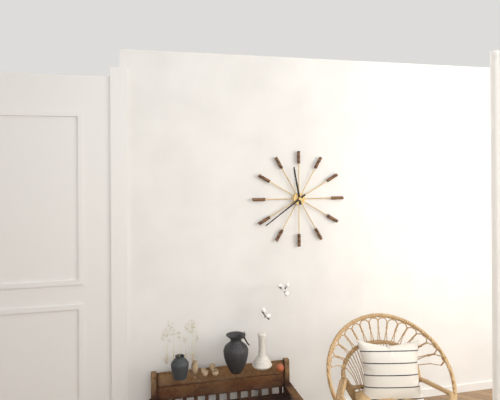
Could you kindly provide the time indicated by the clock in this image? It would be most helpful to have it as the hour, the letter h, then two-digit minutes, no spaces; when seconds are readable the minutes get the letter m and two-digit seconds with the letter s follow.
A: 11h39
